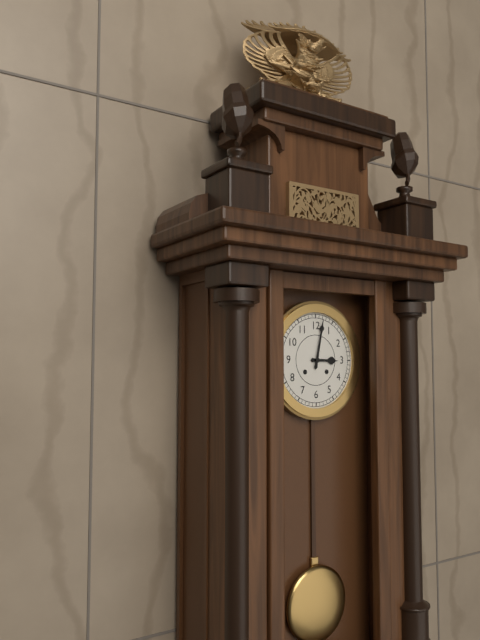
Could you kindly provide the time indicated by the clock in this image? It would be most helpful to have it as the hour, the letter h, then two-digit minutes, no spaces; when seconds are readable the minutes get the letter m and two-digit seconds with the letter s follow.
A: 3h02
